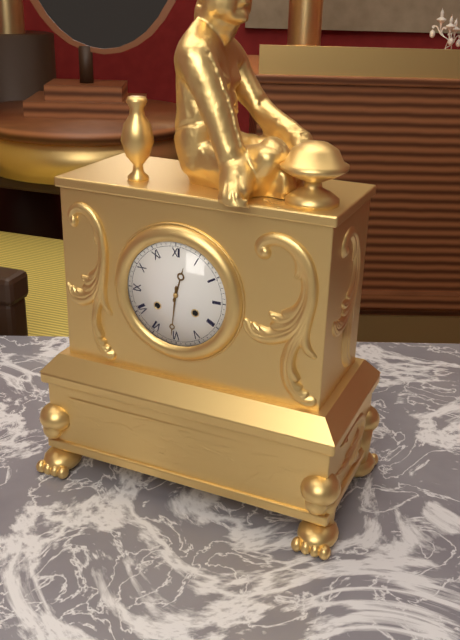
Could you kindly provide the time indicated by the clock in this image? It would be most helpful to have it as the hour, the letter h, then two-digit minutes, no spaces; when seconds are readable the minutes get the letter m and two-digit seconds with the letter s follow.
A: 12h31
